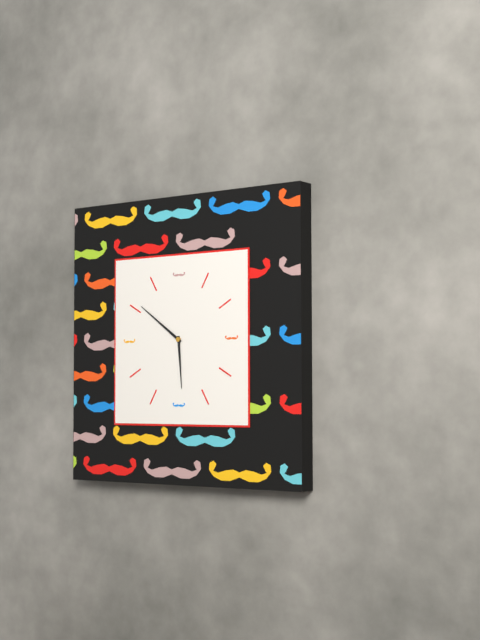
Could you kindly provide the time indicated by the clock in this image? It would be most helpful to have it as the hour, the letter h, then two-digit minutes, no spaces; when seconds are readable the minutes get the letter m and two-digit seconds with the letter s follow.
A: 5h51
